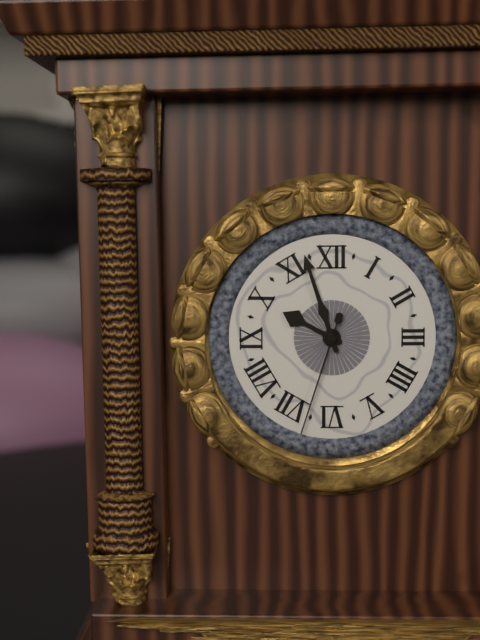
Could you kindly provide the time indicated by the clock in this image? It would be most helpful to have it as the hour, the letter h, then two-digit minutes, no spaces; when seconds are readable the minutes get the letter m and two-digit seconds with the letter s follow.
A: 9h57m33s
